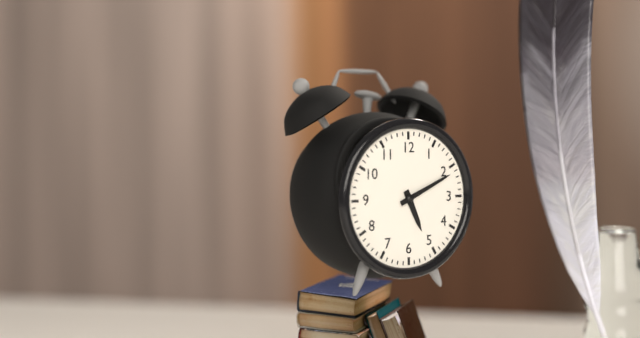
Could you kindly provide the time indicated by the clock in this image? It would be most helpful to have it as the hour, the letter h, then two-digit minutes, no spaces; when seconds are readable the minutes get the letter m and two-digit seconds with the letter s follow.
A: 5h11
